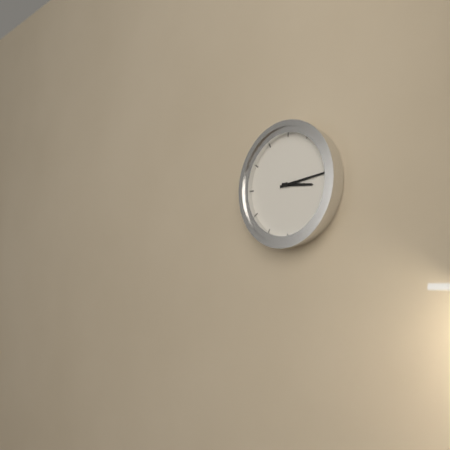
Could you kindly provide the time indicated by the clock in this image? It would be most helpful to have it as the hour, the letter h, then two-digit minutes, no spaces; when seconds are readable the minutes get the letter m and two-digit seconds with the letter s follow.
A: 3h14
